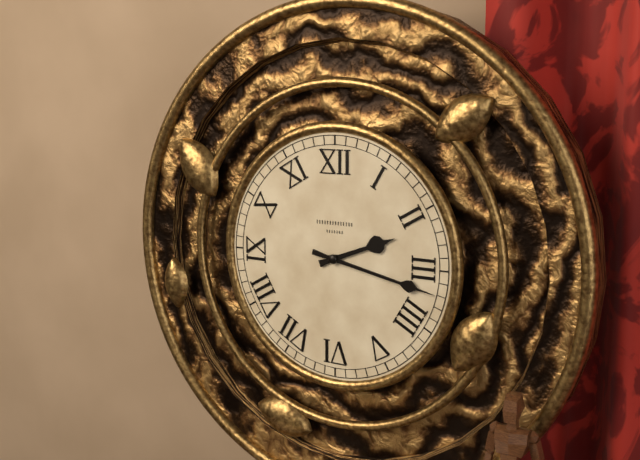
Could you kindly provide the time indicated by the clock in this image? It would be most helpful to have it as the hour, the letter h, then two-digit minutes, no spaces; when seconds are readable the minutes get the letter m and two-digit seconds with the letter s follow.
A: 2h17
